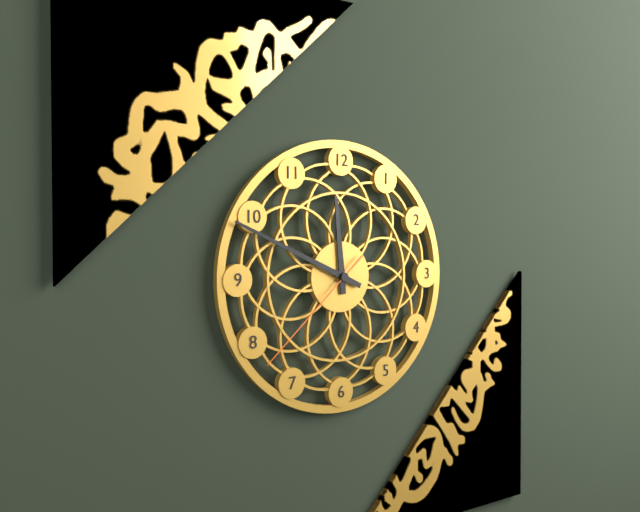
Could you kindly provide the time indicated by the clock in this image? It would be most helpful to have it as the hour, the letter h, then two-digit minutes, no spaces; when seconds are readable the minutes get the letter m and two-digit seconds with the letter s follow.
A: 11h49m38s
